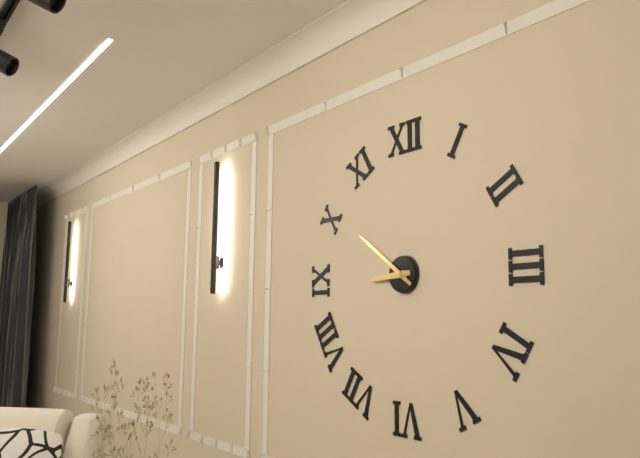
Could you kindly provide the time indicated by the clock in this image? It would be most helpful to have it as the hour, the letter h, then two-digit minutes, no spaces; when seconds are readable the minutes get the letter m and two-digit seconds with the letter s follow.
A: 8h51
